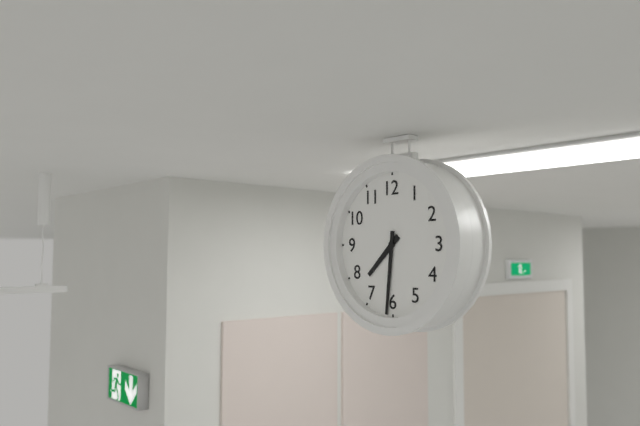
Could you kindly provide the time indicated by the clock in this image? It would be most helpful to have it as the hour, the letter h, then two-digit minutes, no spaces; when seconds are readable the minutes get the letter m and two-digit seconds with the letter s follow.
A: 7h31
